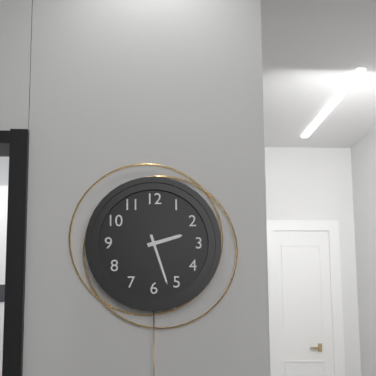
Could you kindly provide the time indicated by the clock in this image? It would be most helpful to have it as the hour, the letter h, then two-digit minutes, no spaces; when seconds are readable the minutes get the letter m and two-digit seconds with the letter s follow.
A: 2h27
